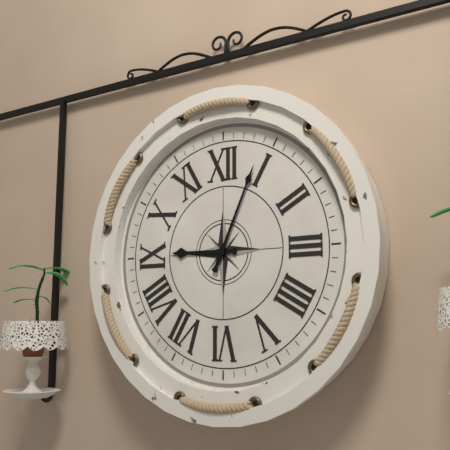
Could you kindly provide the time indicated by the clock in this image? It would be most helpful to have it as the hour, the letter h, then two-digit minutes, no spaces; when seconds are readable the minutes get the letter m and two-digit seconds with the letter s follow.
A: 9h04
